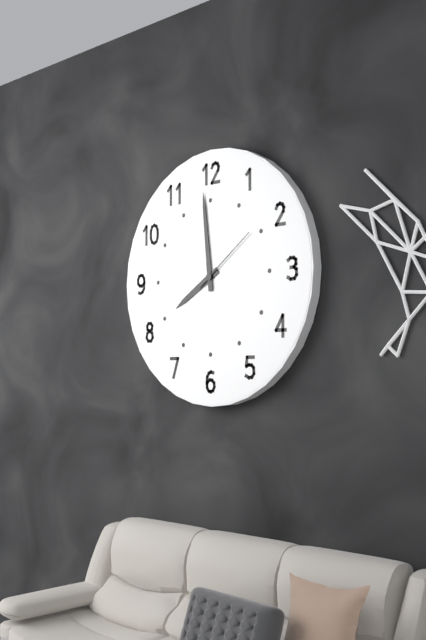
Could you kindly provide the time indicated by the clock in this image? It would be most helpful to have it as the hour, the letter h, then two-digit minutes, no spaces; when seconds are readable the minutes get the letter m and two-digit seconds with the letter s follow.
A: 7h59m09s
